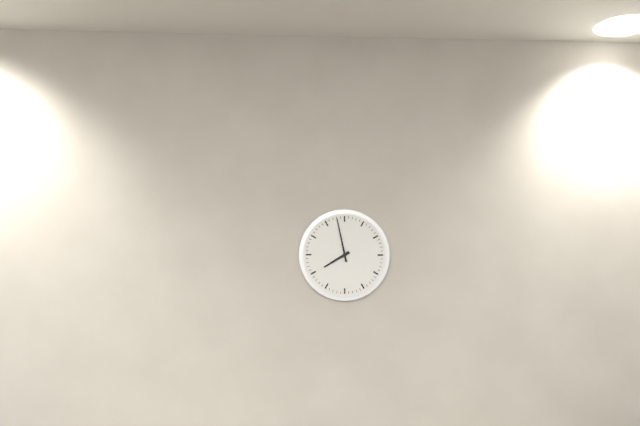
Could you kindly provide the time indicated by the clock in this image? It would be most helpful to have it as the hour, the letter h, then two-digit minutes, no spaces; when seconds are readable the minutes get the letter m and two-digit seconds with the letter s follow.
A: 7h58
